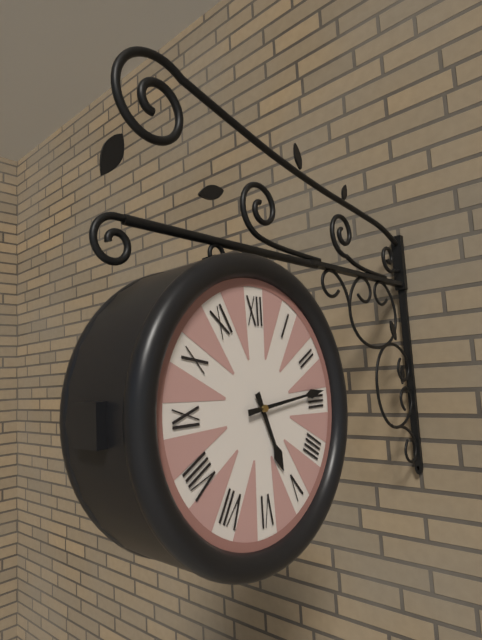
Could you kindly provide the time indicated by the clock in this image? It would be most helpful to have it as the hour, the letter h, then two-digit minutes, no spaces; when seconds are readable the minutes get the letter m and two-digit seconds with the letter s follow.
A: 5h14
